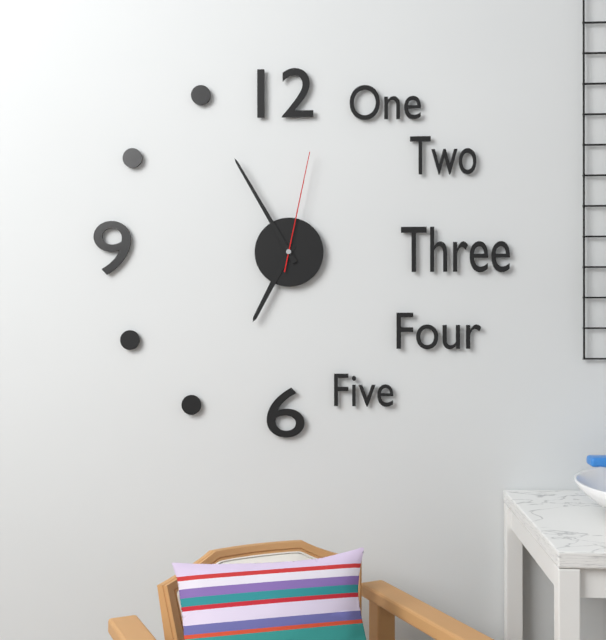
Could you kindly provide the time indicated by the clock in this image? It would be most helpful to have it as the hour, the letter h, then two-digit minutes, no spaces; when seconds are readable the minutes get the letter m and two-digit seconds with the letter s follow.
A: 6h55m02s
